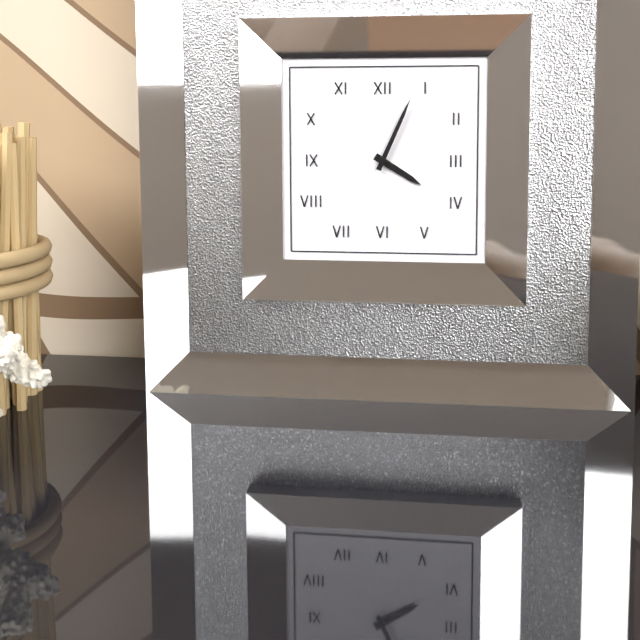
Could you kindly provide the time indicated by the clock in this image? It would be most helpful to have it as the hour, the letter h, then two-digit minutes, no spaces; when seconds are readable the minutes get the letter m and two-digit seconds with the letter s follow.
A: 4h04
